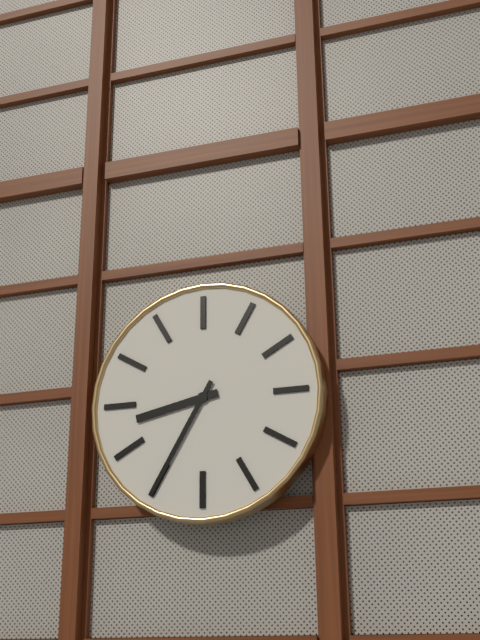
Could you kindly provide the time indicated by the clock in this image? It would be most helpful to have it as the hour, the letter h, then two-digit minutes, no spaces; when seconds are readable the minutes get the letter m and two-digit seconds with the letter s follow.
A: 8h35
